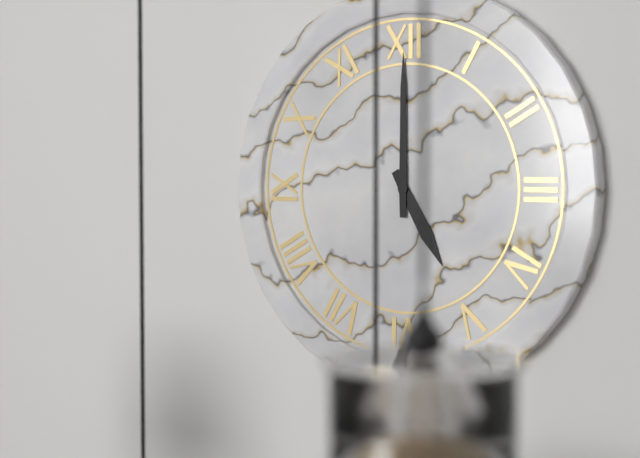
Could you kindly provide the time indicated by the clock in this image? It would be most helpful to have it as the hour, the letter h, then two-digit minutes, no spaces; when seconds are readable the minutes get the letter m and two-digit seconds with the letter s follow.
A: 5h00
